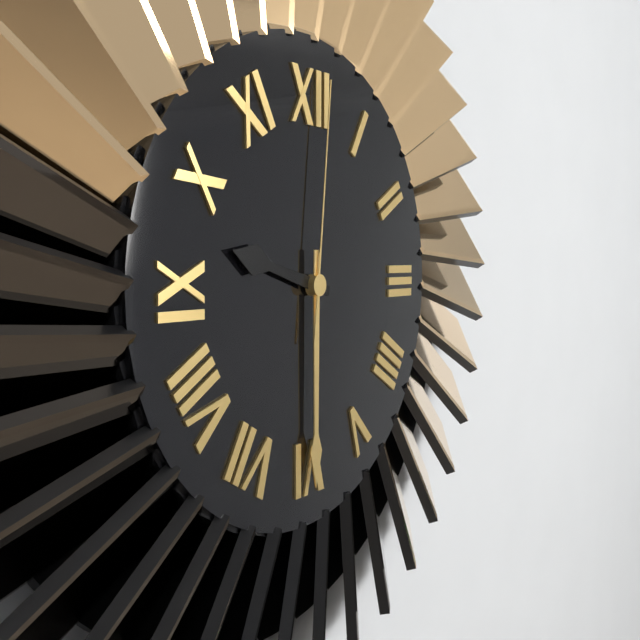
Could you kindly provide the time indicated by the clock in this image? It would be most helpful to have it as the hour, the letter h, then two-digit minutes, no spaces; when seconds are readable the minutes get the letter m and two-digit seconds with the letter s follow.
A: 9h30m01s
